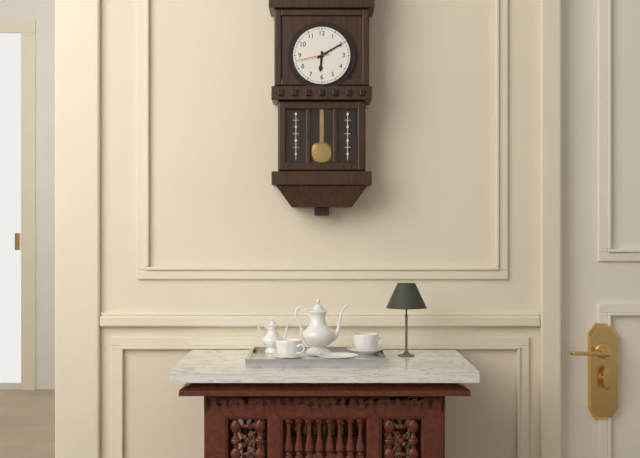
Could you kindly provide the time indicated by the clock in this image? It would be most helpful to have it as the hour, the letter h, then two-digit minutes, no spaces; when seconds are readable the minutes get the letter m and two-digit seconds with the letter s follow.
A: 6h10
